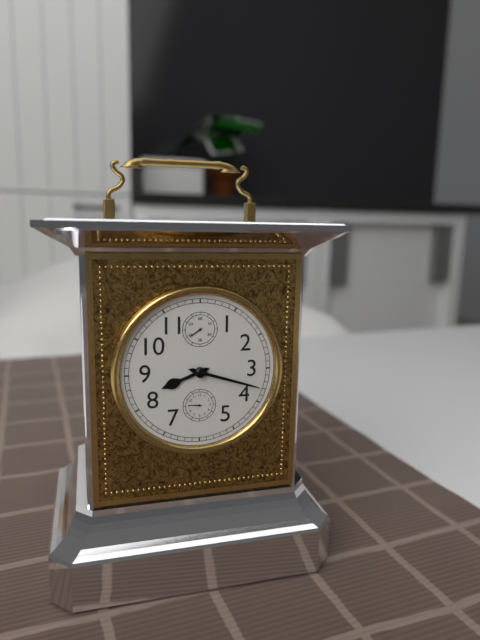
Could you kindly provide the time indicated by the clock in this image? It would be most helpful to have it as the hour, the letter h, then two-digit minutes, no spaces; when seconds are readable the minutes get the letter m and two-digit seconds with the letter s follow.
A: 8h18
